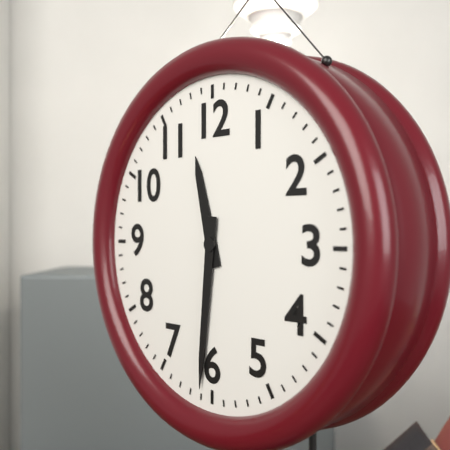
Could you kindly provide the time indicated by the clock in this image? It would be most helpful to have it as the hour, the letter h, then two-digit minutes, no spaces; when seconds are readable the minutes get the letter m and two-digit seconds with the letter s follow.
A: 11h31
